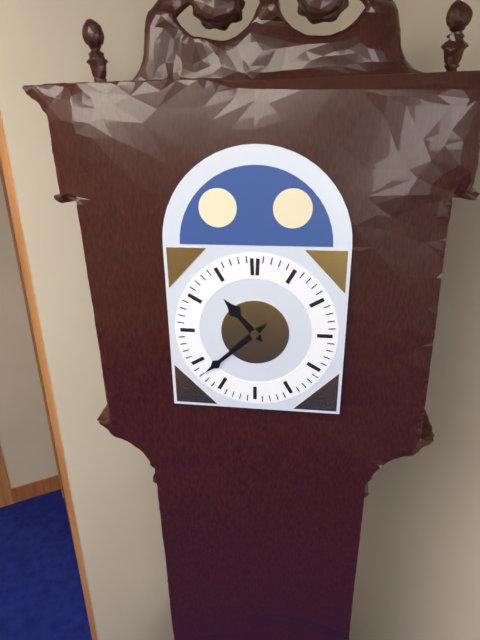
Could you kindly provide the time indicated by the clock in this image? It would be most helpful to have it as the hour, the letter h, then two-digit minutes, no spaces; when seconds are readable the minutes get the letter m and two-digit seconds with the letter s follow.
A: 10h38
